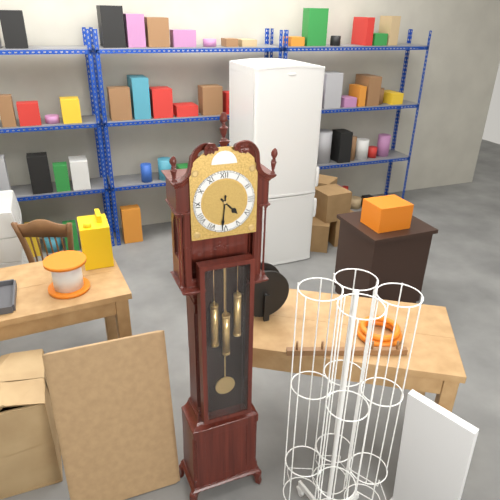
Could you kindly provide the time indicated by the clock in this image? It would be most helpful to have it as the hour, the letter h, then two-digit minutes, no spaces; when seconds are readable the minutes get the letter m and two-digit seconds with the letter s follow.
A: 4h31
